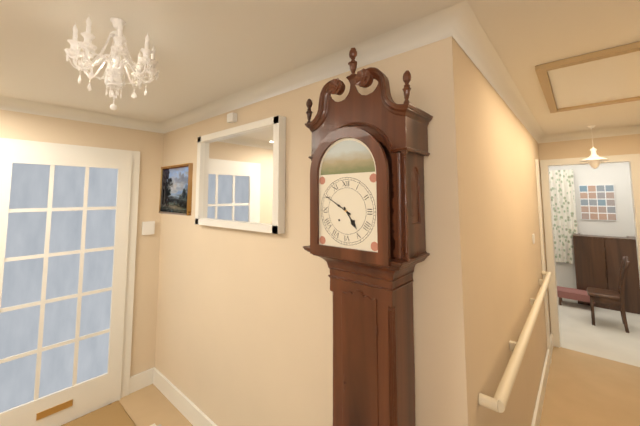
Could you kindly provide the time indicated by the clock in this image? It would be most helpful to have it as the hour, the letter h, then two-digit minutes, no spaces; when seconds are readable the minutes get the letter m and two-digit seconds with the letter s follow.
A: 4h50
